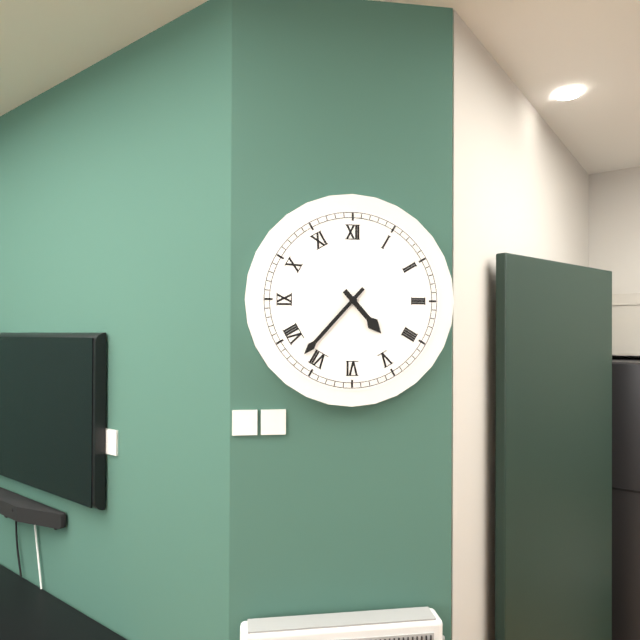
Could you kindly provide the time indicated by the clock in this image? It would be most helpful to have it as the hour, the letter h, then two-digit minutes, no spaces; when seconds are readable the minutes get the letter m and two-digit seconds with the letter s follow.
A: 4h37
